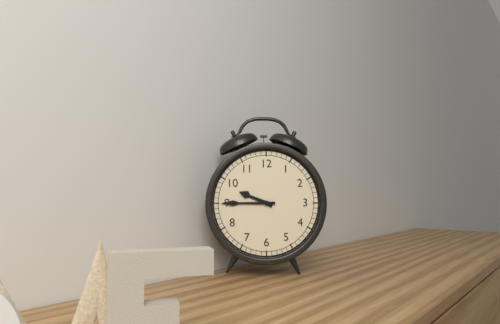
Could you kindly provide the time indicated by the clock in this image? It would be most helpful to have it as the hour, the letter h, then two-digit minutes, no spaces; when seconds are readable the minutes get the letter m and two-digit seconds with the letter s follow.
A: 9h45
